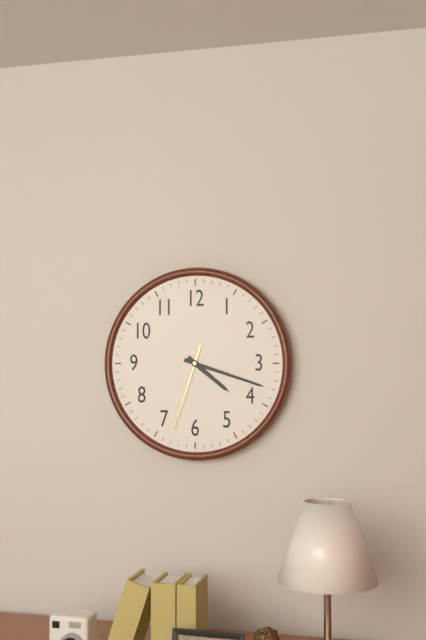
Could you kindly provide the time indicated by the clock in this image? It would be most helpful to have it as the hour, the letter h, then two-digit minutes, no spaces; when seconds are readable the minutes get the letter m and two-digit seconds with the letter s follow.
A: 4h18m33s
